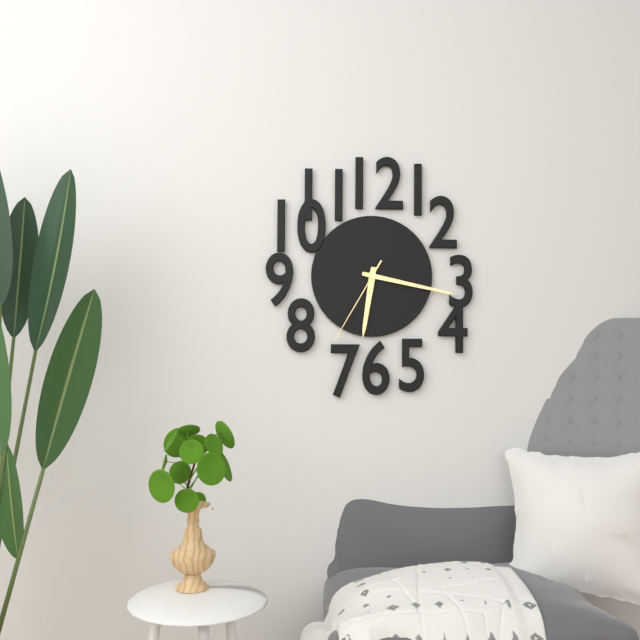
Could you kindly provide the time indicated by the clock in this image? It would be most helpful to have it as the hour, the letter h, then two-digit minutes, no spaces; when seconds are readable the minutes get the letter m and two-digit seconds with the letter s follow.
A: 6h17m35s
